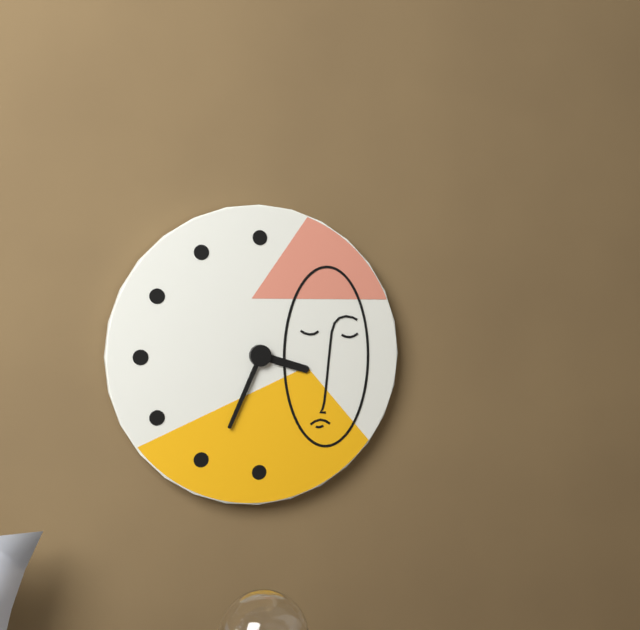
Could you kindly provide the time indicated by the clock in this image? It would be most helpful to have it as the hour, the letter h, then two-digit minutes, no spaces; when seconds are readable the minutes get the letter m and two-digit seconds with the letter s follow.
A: 3h34
